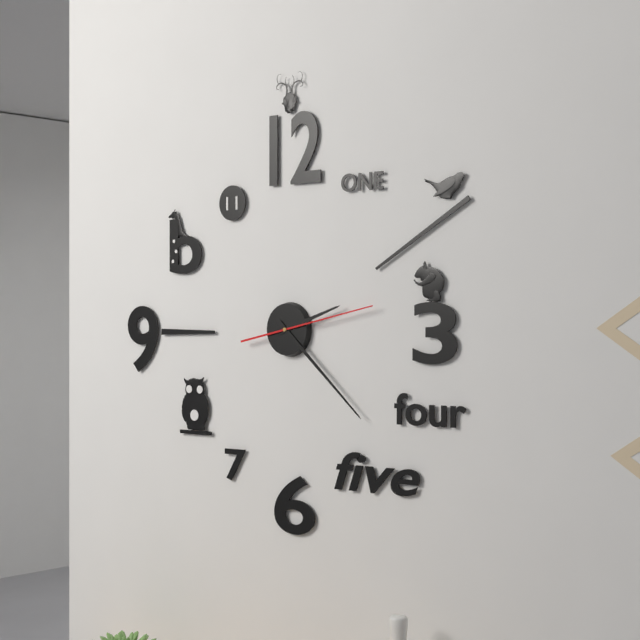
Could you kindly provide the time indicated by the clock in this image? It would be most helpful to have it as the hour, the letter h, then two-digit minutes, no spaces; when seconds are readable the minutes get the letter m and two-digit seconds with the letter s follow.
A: 2h22m13s
